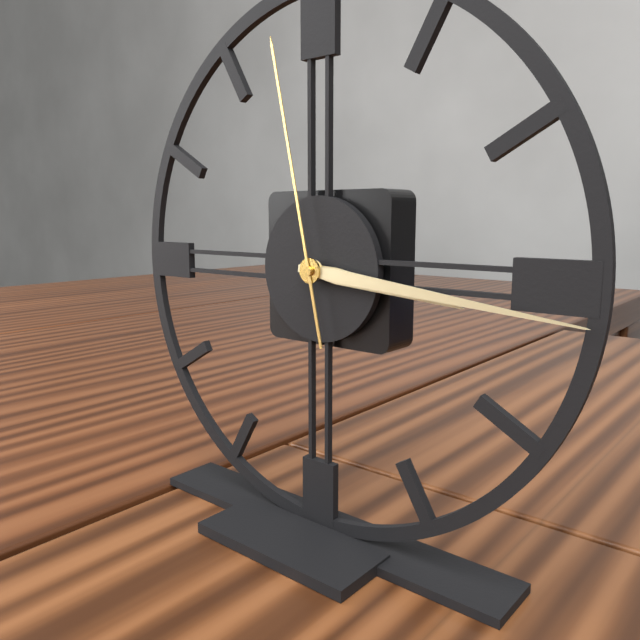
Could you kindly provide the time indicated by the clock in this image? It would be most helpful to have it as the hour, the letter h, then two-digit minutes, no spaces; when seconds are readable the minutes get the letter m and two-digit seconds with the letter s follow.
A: 3h16m58s
